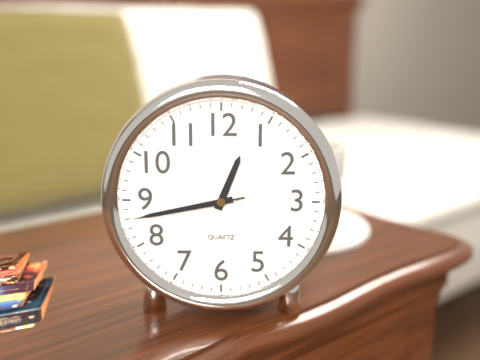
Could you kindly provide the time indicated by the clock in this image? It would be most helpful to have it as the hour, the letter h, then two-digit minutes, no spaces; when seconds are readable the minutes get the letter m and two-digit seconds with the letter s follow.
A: 12h43m43s
